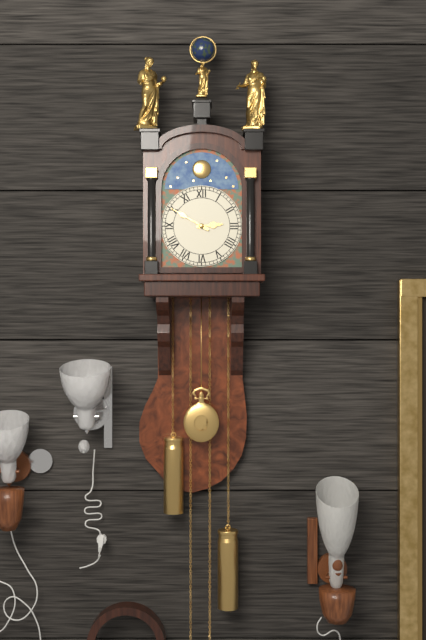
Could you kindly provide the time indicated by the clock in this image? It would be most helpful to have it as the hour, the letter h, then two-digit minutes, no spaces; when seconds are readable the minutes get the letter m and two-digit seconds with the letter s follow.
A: 2h50
